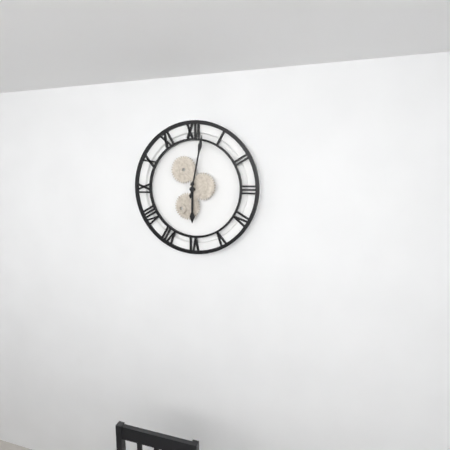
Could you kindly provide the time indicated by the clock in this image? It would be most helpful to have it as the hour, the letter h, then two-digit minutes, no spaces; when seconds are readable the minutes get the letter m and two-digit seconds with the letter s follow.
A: 6h02
